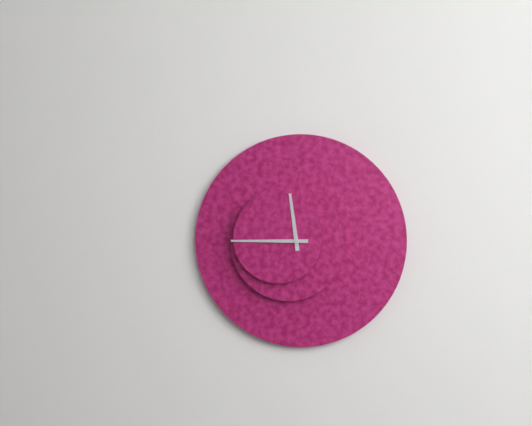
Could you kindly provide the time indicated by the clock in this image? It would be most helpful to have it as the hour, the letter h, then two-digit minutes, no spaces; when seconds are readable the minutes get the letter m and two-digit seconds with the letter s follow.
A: 11h45
